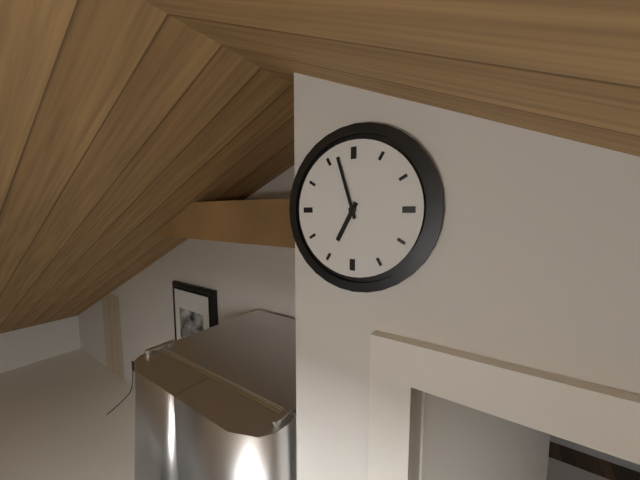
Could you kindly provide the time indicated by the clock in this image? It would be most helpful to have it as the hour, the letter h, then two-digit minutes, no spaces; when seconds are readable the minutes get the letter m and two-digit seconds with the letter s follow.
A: 6h57
